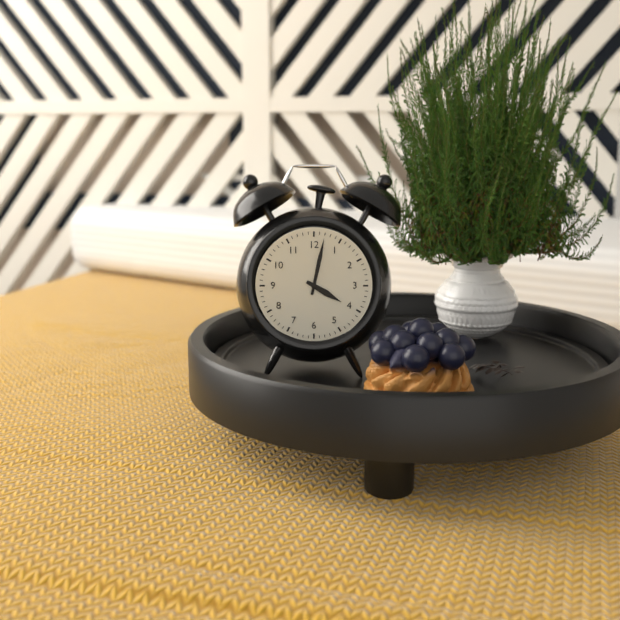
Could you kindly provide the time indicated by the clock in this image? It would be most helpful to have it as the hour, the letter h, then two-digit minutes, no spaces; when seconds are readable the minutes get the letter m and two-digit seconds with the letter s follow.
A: 4h02
